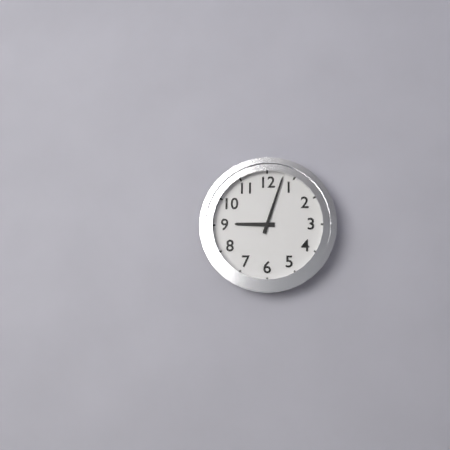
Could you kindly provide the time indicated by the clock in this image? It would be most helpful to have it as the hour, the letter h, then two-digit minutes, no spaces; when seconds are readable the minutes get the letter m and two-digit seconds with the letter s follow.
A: 9h03
